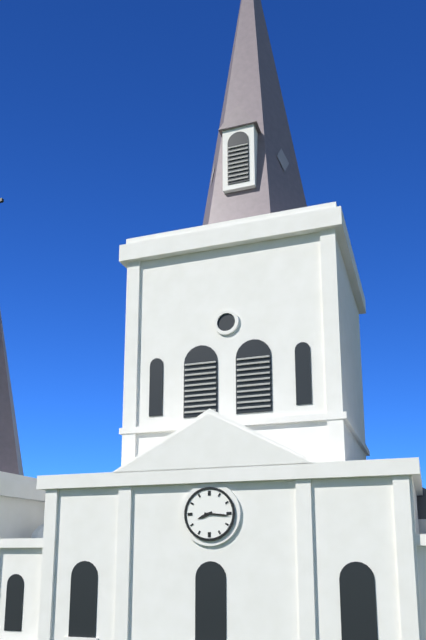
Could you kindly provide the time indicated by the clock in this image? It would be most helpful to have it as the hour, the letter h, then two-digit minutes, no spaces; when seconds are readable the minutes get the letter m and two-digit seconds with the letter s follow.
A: 8h16
